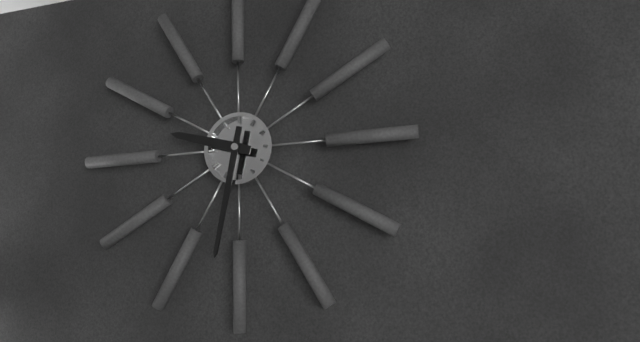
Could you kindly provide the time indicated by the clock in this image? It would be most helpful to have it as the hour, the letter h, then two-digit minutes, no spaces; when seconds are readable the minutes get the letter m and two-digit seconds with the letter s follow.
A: 9h32
